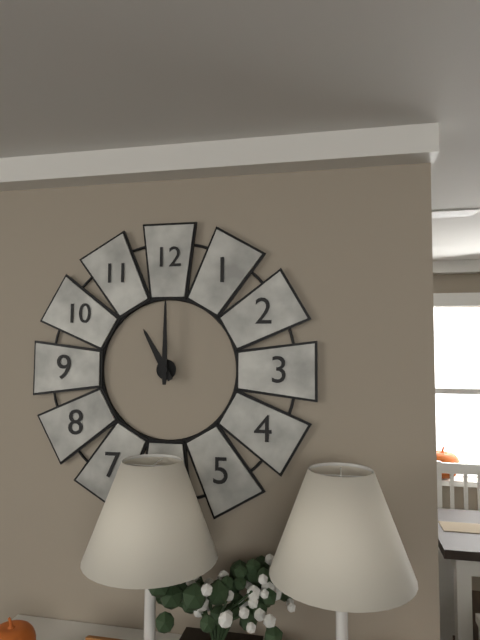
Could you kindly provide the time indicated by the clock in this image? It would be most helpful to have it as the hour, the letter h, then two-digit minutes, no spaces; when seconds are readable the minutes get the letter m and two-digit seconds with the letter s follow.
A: 11h00
